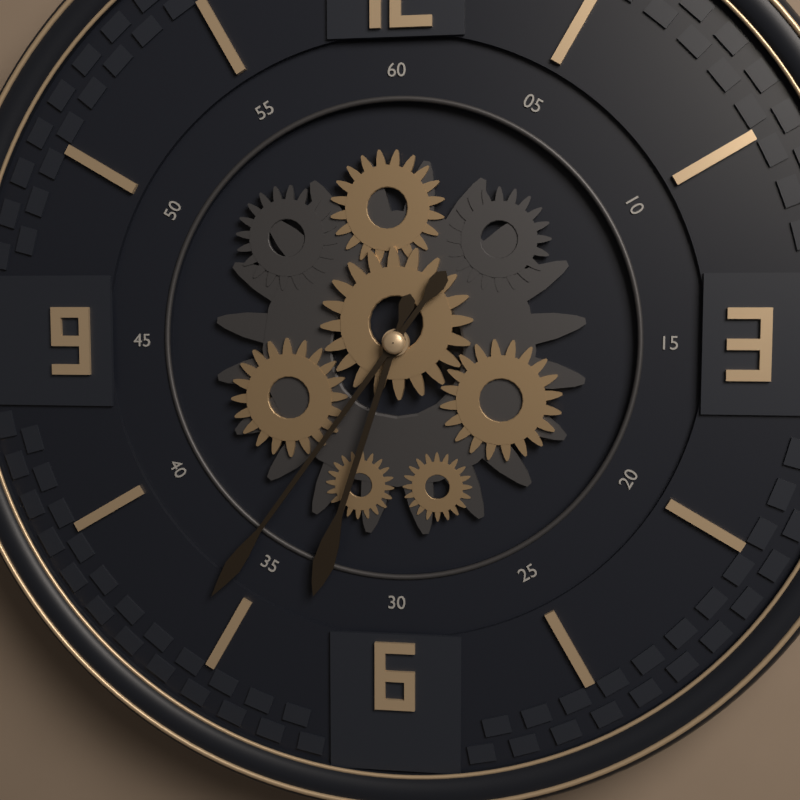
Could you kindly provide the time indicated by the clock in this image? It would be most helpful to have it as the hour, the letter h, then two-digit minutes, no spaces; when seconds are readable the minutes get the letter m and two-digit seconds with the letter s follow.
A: 6h36
